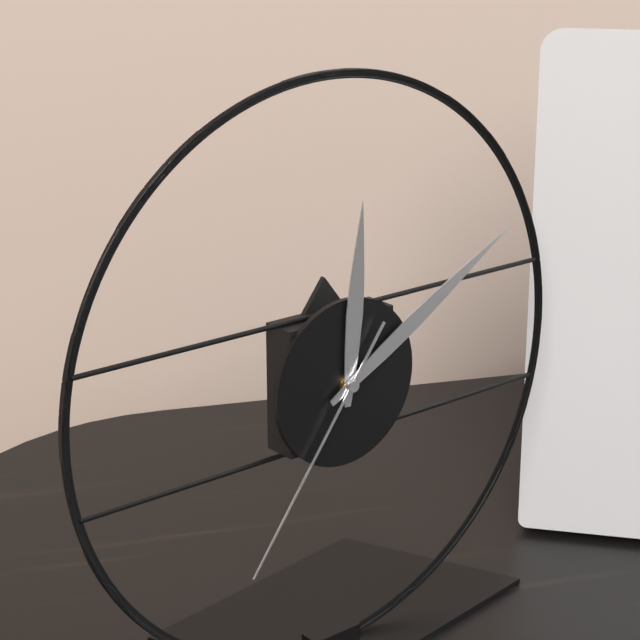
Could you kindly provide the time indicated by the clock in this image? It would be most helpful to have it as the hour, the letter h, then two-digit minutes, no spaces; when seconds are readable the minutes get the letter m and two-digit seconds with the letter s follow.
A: 12h10m36s
